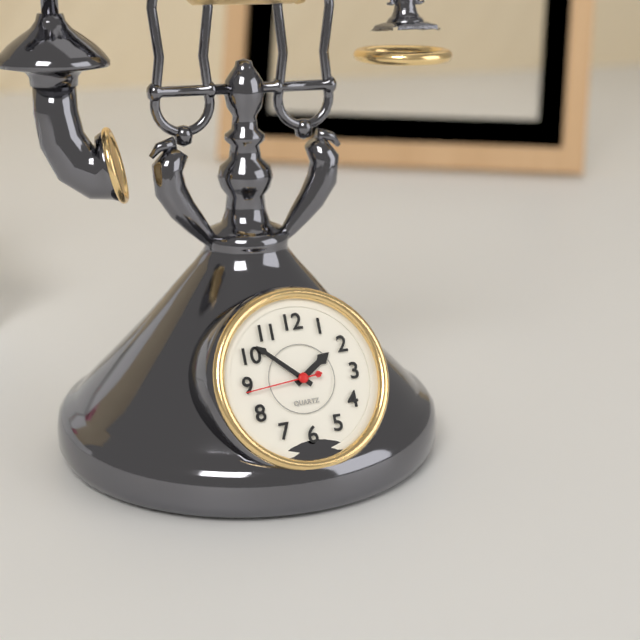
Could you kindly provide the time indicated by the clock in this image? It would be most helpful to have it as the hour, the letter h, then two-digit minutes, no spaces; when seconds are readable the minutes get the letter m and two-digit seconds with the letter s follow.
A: 1h52m44s
